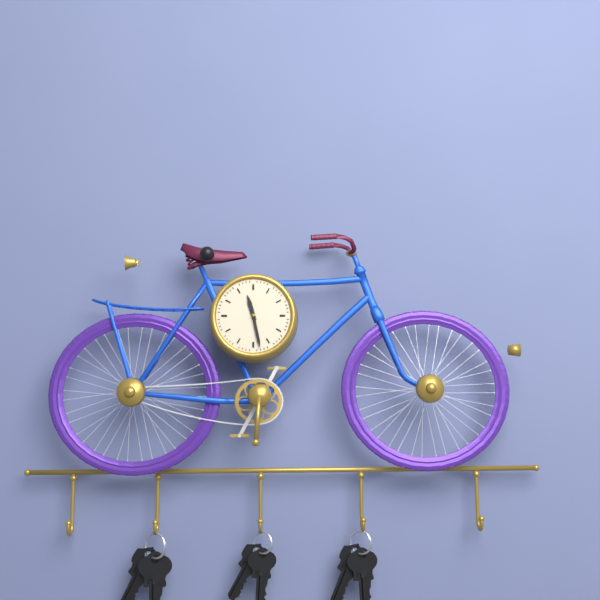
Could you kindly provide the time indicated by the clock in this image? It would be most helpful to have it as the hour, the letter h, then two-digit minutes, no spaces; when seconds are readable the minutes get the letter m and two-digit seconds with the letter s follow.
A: 11h28
